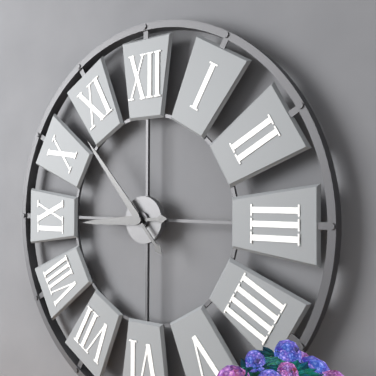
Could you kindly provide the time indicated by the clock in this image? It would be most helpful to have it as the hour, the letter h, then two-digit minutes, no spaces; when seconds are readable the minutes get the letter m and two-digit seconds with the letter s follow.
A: 8h53
